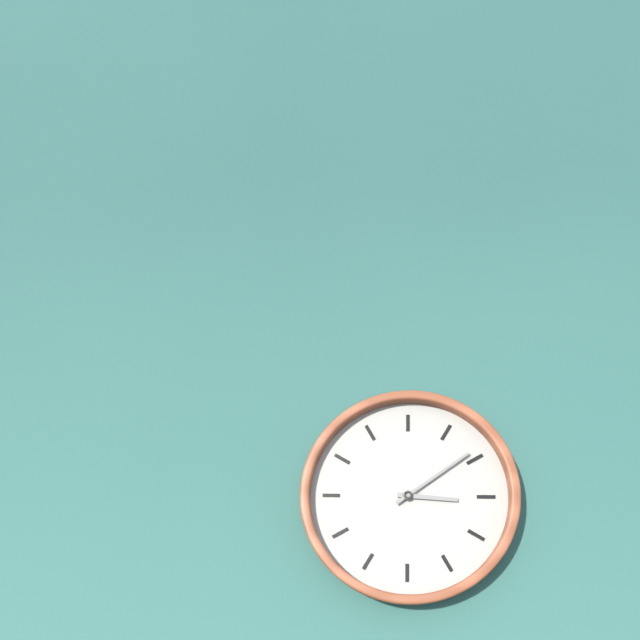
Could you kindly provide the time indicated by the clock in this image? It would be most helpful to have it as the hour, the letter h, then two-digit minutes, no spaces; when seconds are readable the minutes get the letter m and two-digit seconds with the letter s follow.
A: 3h09
